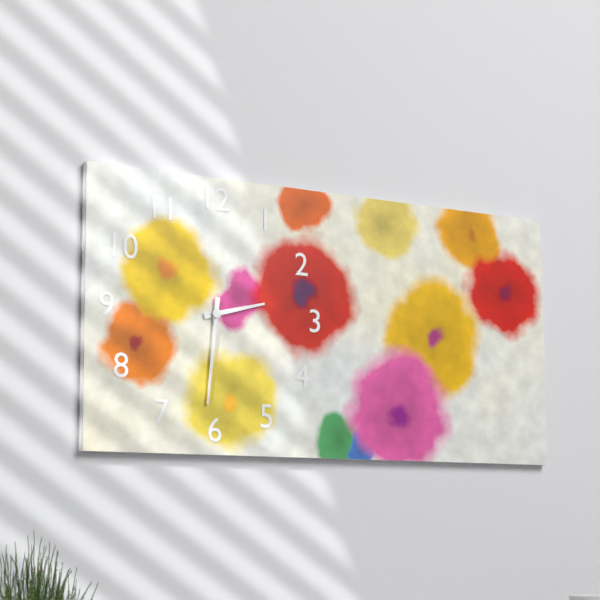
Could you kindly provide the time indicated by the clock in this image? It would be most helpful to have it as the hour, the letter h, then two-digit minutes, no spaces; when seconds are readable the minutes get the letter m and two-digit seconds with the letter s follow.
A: 2h31
